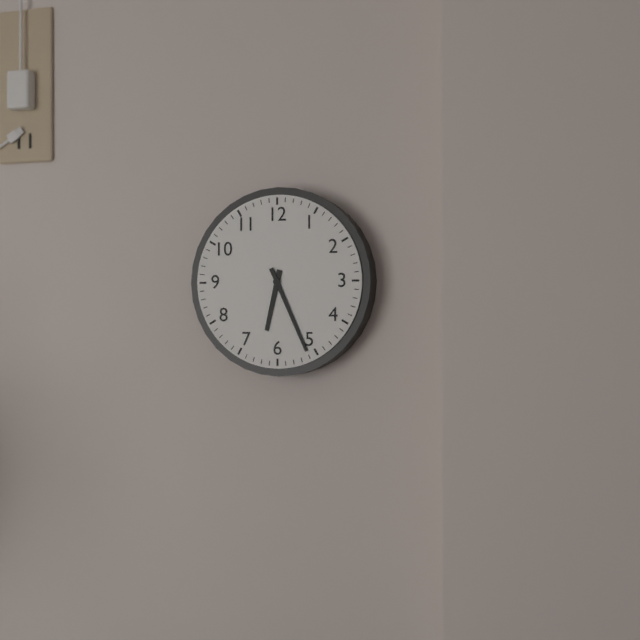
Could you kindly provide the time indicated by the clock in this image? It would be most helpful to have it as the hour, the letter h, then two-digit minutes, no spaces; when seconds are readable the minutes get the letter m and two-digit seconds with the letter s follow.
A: 6h26
